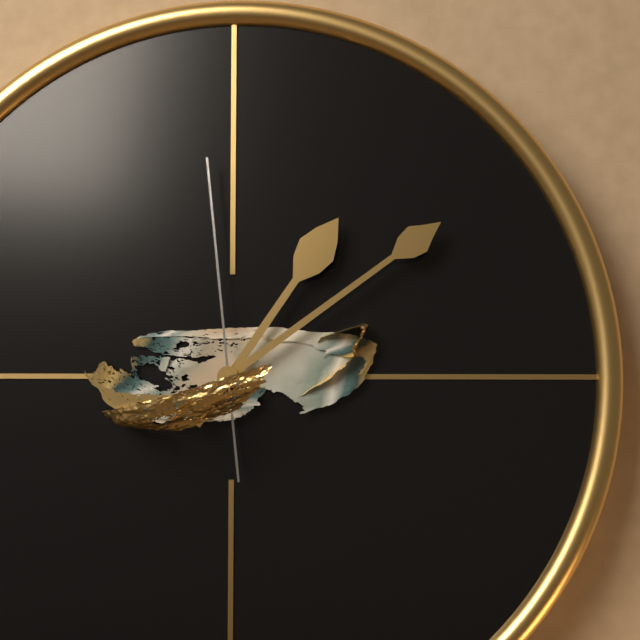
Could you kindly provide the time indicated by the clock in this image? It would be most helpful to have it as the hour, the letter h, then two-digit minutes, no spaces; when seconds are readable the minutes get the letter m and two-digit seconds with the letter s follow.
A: 1h09m59s
